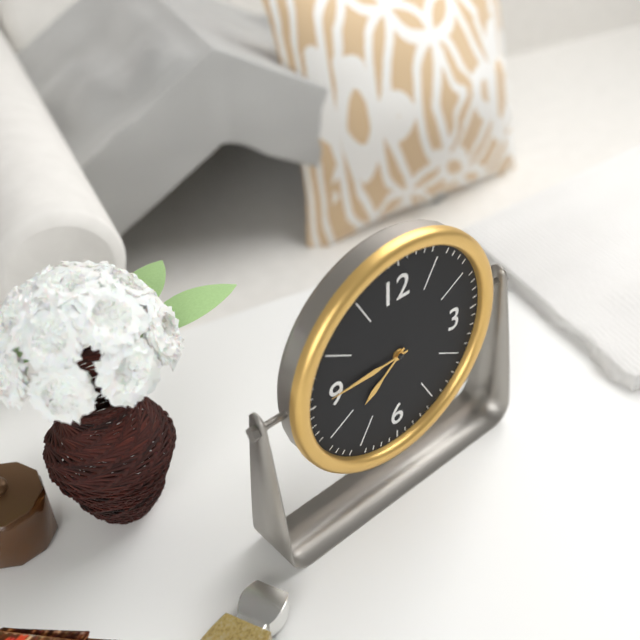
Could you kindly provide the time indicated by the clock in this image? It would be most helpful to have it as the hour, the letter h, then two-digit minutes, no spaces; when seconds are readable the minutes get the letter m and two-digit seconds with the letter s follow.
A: 7h45
